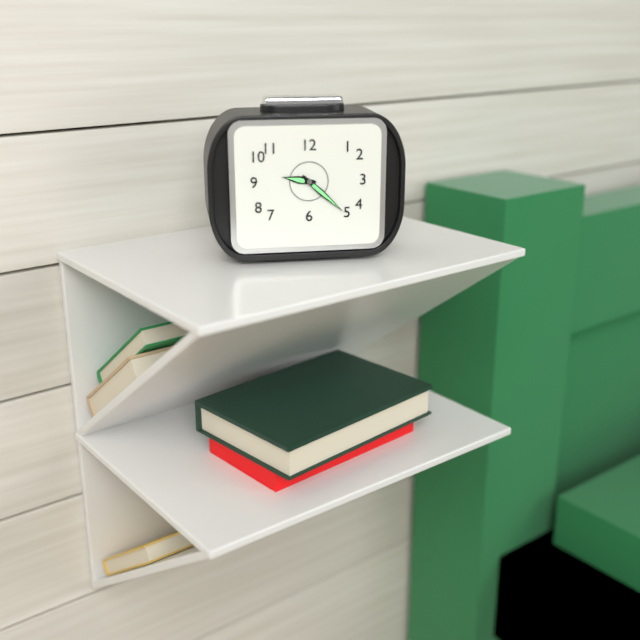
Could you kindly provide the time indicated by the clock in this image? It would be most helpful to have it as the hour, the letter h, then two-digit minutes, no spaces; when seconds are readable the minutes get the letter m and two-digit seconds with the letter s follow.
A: 9h22
